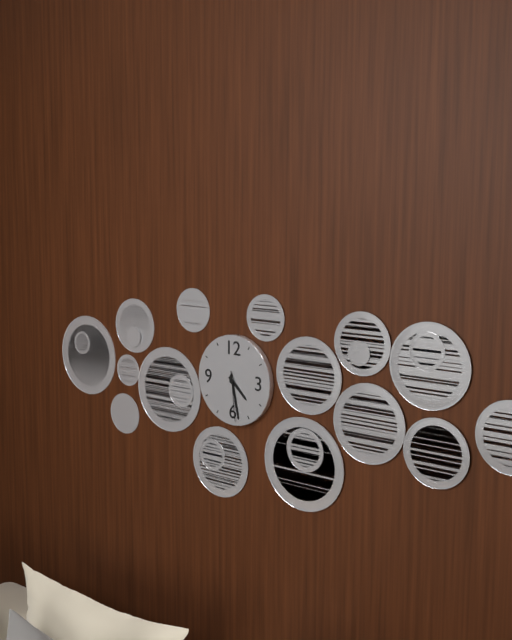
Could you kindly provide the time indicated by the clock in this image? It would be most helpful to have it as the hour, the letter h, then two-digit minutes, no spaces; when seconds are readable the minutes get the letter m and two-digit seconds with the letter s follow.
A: 4h28m29s
